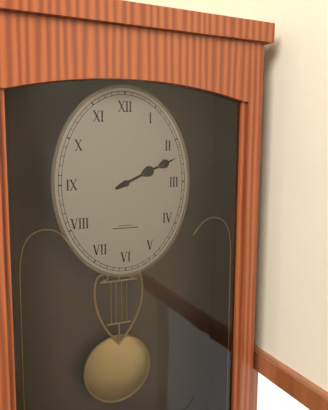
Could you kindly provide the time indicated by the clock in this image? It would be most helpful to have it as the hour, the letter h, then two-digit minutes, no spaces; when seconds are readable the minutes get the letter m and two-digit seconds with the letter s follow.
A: 2h11
